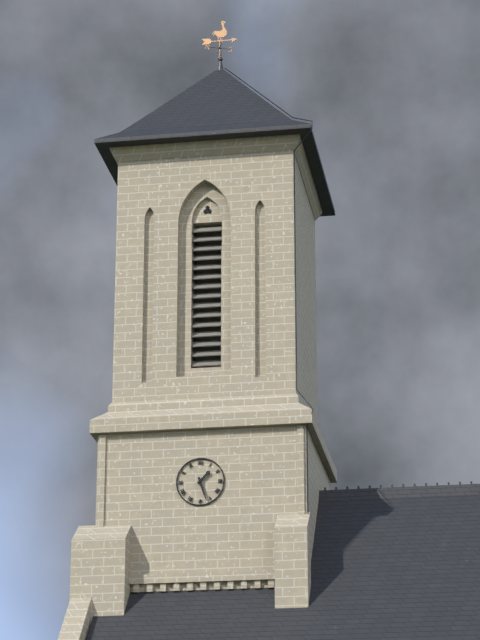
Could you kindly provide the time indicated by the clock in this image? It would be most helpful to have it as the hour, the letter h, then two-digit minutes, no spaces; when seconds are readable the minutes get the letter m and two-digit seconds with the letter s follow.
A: 1h27
